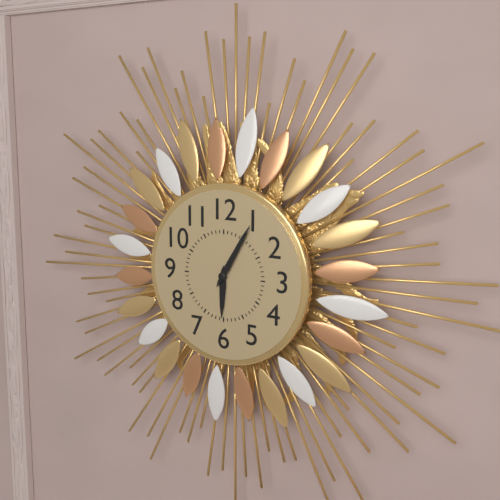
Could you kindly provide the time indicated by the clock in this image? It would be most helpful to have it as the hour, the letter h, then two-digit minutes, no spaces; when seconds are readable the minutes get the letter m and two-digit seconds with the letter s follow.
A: 6h05
